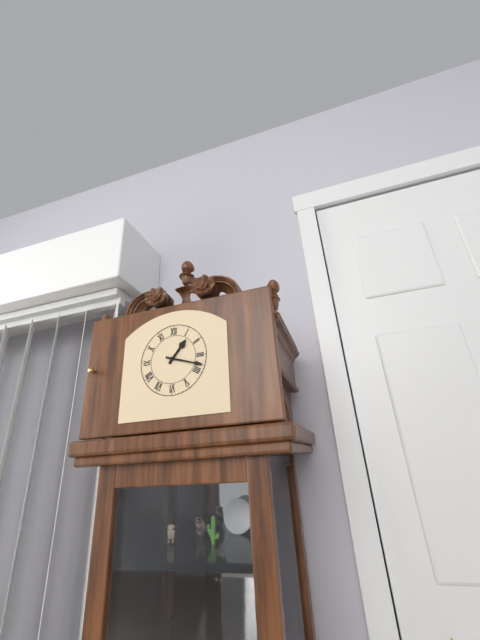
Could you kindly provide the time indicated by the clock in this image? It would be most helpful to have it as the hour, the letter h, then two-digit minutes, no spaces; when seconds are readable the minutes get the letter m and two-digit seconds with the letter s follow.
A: 1h18
